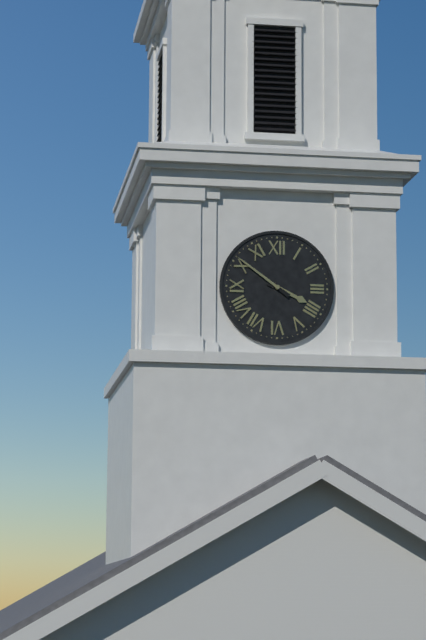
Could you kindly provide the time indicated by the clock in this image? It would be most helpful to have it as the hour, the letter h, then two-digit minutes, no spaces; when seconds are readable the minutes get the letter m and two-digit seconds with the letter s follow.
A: 3h51
